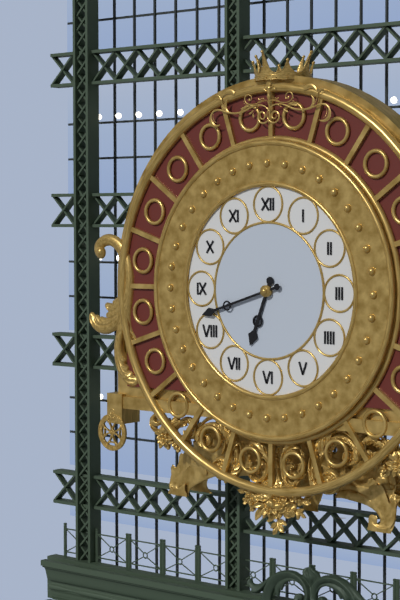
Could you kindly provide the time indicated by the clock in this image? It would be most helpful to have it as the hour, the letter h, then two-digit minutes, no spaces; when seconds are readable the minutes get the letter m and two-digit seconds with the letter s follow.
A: 6h42
